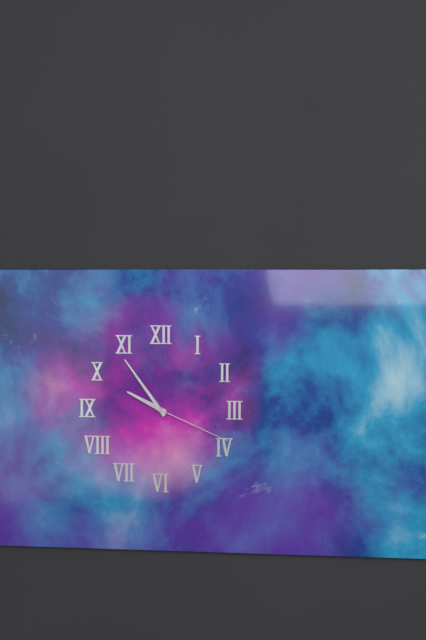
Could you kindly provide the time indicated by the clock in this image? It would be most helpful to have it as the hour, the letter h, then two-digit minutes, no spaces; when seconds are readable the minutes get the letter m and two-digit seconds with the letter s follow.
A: 9h54m19s
